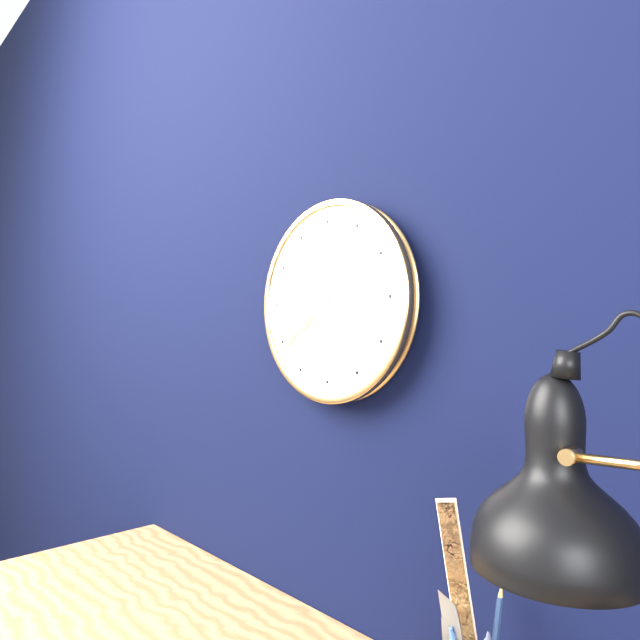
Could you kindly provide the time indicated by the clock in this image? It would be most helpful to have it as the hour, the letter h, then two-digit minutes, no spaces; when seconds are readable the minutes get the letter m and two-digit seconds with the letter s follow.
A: 7h39
